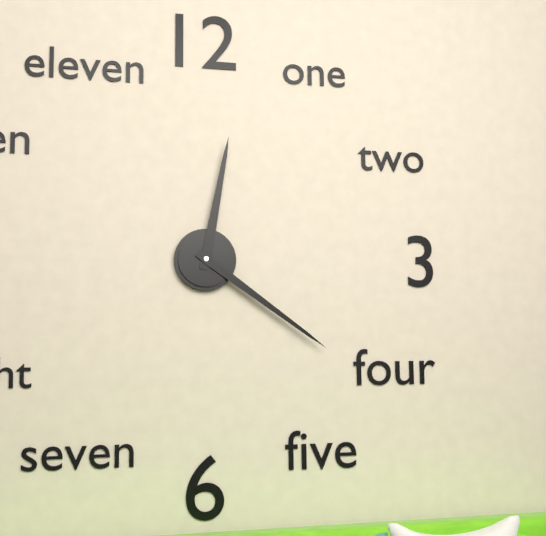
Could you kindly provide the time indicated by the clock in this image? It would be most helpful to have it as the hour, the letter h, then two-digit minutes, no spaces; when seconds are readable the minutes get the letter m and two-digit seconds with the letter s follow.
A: 12h21
